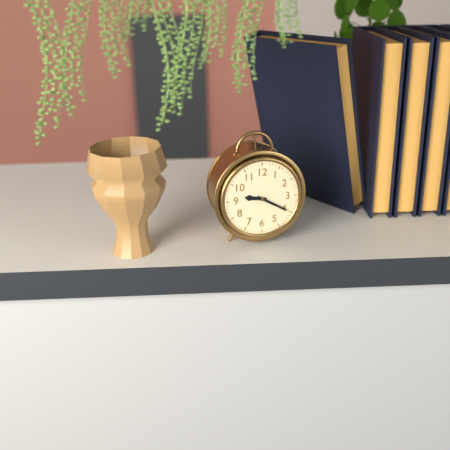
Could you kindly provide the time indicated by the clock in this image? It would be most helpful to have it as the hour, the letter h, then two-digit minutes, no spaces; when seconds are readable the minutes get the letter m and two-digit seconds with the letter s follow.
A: 9h20
